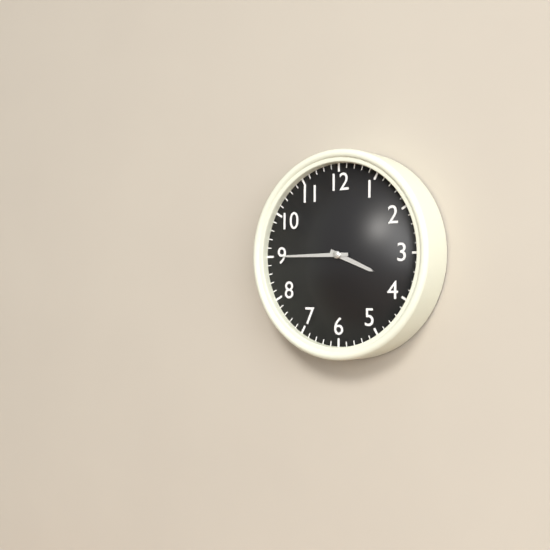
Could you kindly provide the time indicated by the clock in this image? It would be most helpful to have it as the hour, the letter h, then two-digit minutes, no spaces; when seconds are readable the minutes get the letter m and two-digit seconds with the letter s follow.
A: 3h45
